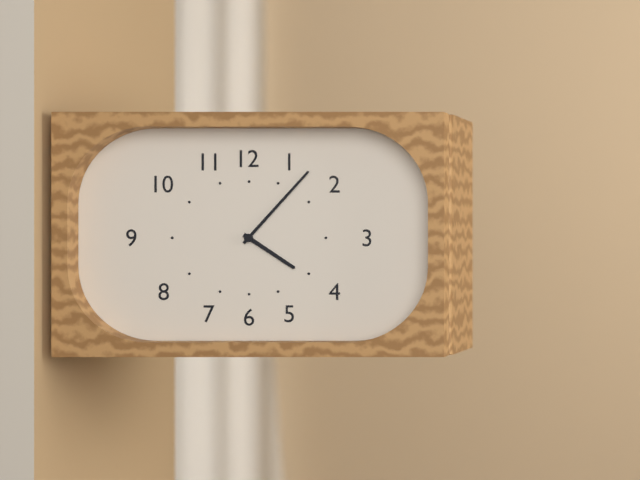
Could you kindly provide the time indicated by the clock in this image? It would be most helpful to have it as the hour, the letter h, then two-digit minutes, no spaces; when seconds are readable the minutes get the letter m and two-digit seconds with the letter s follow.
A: 4h07
